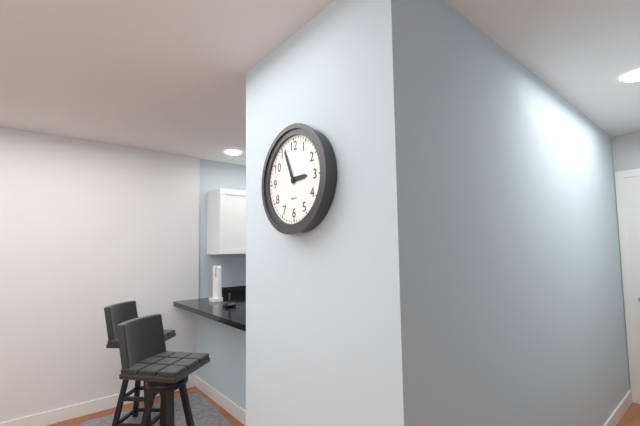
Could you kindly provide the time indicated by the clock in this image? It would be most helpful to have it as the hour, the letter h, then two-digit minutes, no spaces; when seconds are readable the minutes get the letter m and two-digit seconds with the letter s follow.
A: 2h56
